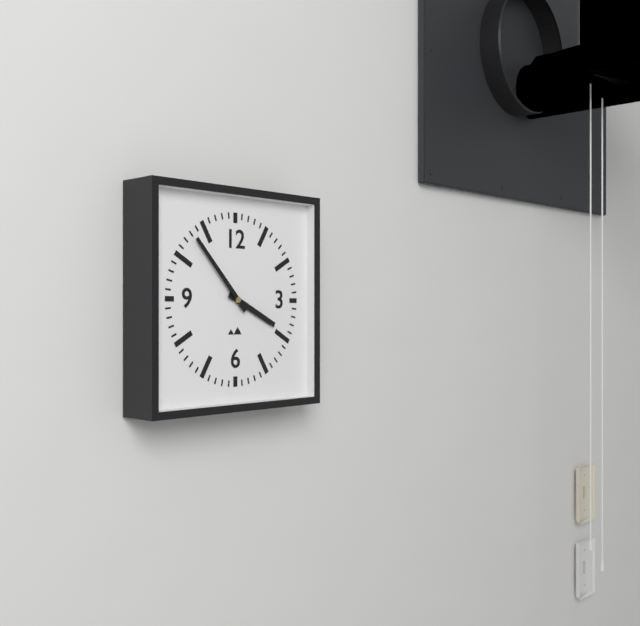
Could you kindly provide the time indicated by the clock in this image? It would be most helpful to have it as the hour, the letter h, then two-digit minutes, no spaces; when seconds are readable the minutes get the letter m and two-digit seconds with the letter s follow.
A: 3h53
